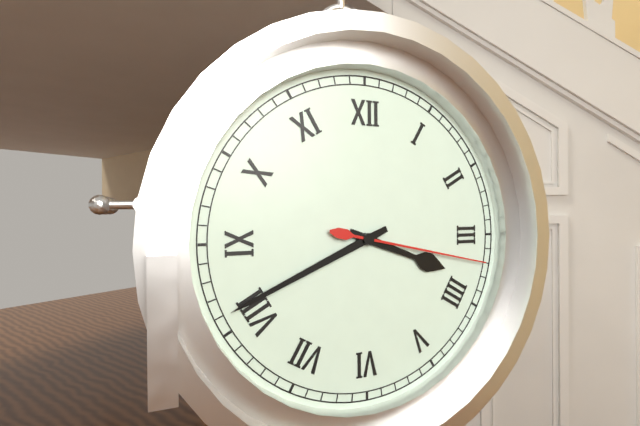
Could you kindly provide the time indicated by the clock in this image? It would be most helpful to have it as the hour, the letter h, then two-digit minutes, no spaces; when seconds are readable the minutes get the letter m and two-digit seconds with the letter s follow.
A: 3h41m17s
